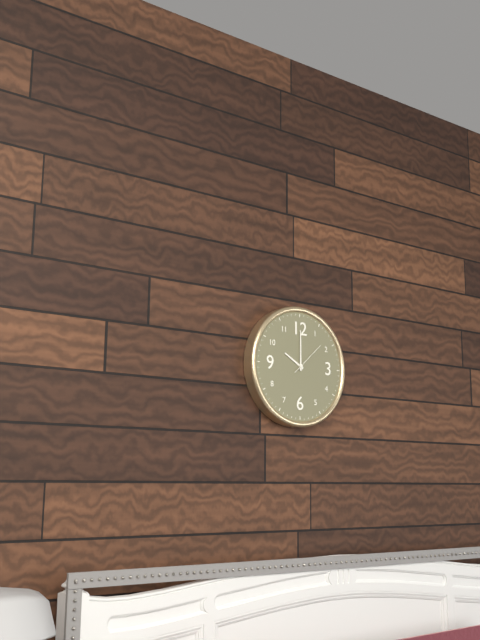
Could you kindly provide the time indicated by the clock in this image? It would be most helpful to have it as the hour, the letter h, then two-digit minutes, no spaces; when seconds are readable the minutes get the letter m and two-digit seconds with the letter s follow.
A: 10h00
